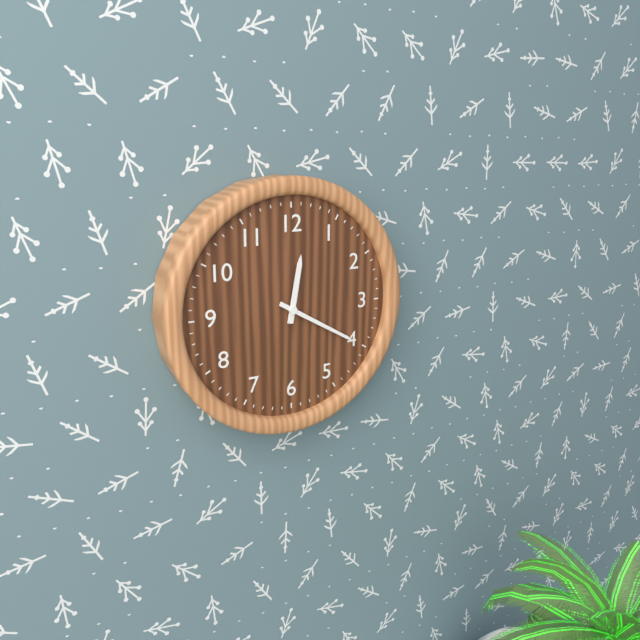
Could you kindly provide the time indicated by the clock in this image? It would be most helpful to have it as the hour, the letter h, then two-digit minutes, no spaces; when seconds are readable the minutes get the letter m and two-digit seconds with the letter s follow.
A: 12h20
